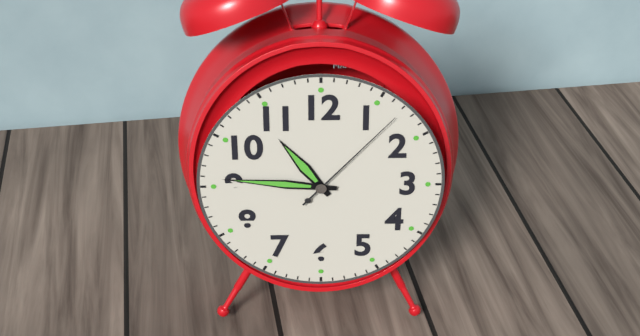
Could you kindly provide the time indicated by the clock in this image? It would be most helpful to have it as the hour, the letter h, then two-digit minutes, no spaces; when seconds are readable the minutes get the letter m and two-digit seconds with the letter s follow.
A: 10h46m07s
